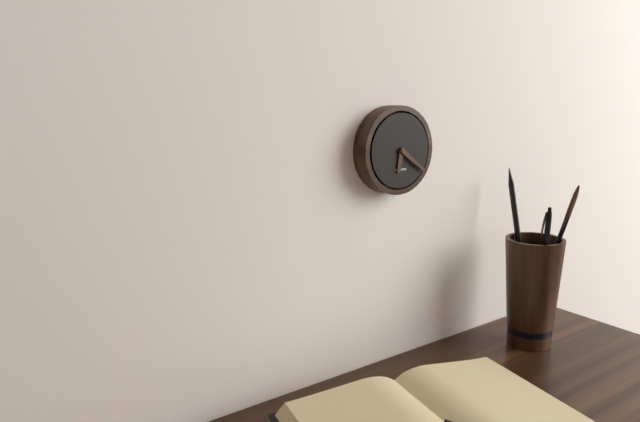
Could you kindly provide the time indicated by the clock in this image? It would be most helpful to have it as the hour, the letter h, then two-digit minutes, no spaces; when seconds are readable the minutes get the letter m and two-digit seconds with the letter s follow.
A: 6h21
